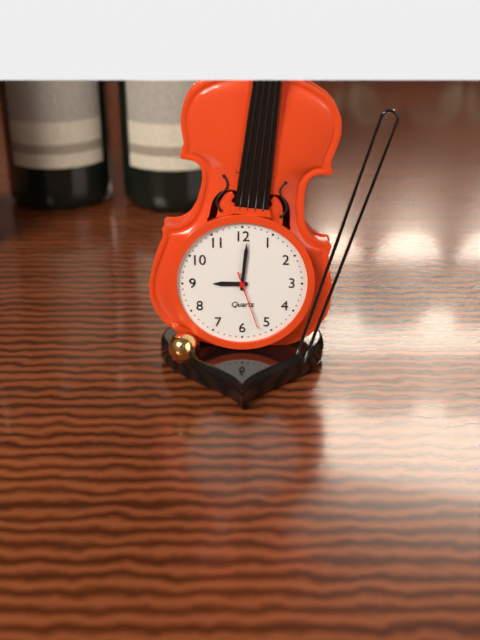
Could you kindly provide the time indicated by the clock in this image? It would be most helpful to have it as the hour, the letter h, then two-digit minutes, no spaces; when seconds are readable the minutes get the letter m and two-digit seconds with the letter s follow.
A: 9h01m27s
